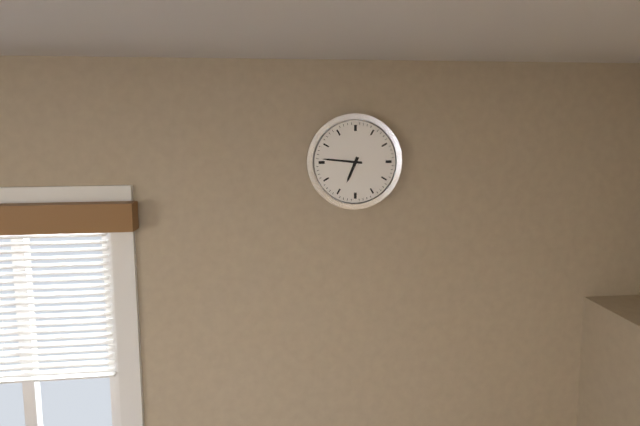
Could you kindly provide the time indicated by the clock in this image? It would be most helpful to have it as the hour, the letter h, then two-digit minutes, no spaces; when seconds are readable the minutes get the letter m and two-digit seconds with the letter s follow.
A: 6h46
